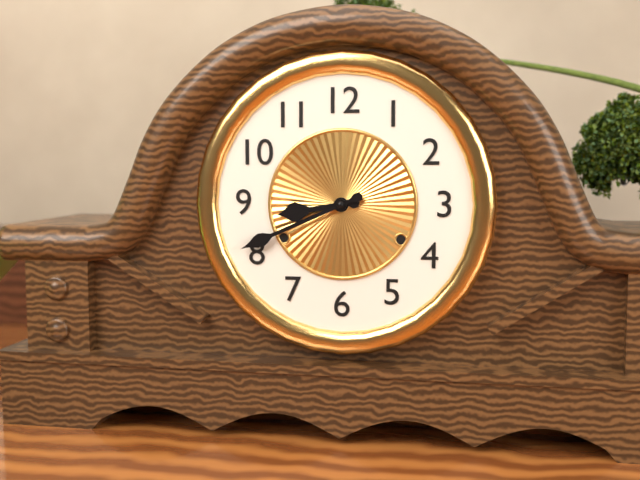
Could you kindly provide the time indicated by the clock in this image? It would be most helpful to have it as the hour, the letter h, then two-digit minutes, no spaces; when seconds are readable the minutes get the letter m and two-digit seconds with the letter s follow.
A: 8h41
